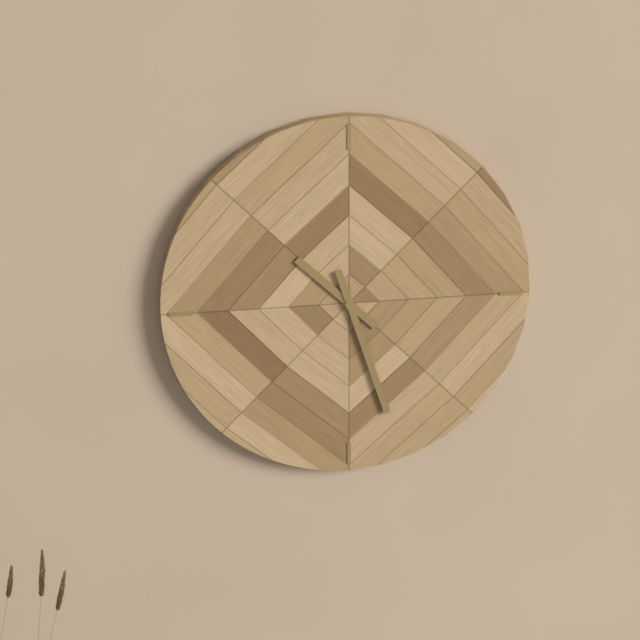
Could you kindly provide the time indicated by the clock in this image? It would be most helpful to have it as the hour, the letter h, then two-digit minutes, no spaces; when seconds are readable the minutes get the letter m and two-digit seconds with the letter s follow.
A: 10h27
